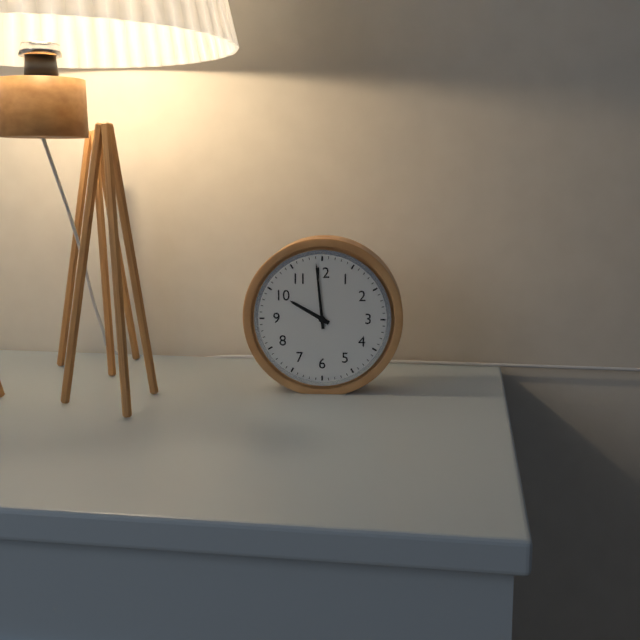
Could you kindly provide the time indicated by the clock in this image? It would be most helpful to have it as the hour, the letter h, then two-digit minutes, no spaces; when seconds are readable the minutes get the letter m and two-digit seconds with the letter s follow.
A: 9h59
